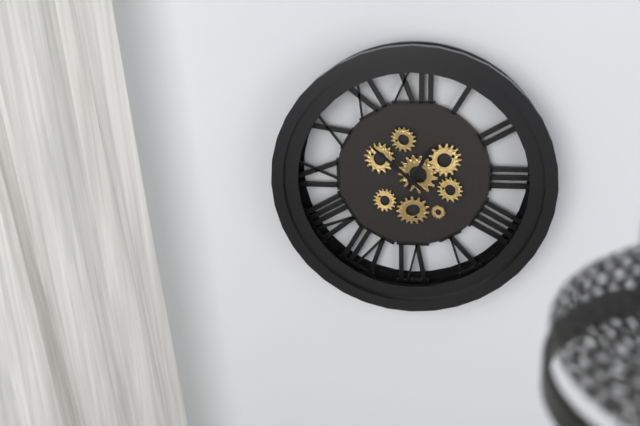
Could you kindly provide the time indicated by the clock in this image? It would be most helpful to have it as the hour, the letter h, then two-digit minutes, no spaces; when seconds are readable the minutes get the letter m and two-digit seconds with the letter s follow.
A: 12h52
